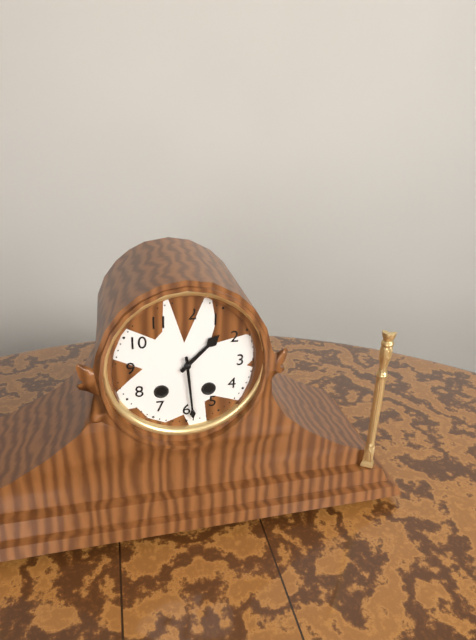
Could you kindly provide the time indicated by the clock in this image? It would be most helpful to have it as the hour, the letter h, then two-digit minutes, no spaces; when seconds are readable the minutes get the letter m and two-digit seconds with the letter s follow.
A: 1h29
